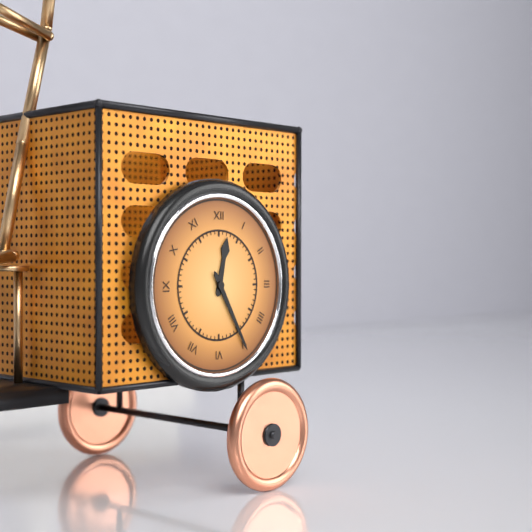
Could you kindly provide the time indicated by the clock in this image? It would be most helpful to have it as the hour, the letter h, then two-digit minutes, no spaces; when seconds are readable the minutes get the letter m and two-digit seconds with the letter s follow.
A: 12h25
